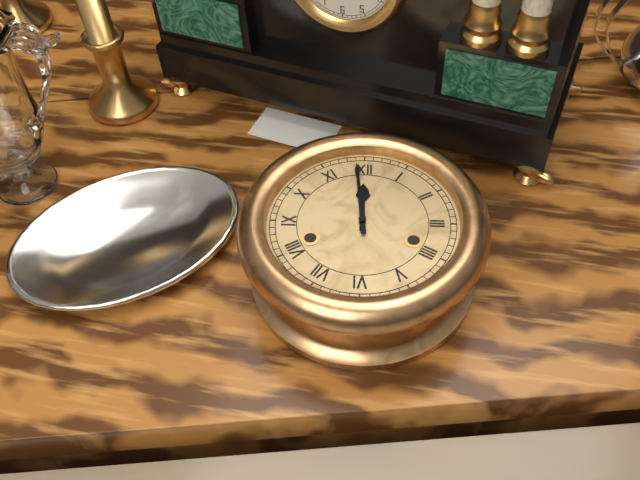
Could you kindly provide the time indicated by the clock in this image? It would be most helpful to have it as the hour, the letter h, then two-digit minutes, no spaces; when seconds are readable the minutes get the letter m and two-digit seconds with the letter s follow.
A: 11h59
